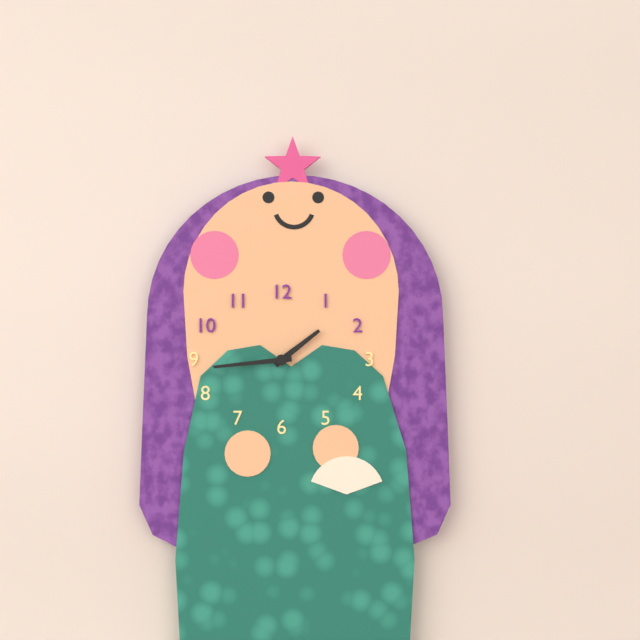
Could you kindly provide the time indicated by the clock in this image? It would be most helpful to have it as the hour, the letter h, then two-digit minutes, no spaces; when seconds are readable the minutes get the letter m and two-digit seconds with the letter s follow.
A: 1h44
